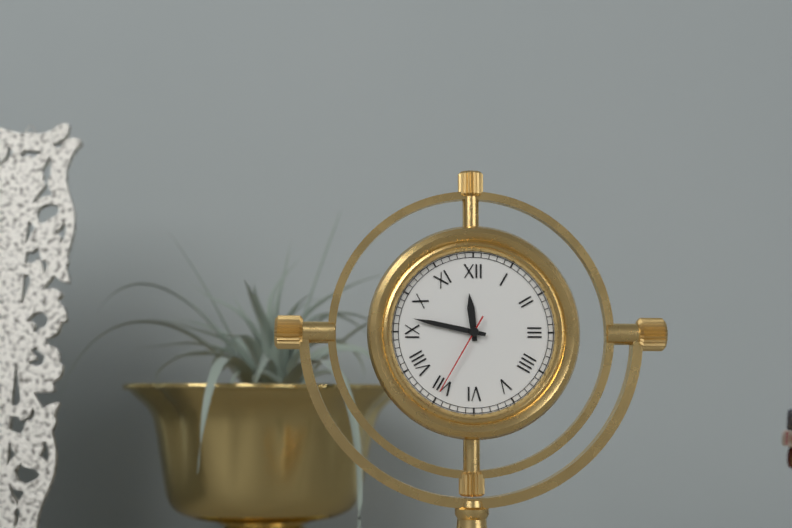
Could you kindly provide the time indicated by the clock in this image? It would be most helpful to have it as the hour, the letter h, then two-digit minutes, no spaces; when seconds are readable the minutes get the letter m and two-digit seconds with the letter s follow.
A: 11h47m35s
